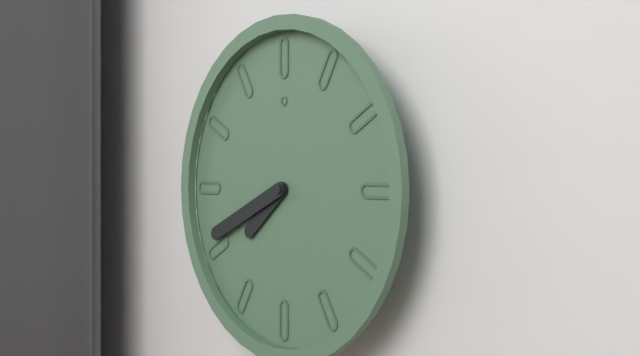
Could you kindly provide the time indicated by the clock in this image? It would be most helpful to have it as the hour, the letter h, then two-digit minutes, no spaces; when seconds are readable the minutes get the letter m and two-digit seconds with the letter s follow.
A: 7h41
